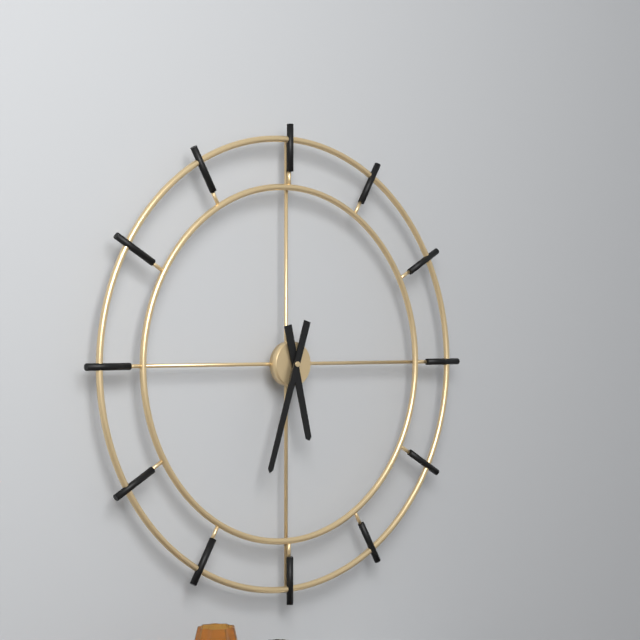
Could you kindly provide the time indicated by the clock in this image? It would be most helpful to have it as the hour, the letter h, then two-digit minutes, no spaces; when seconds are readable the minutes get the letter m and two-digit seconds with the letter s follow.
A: 5h33
